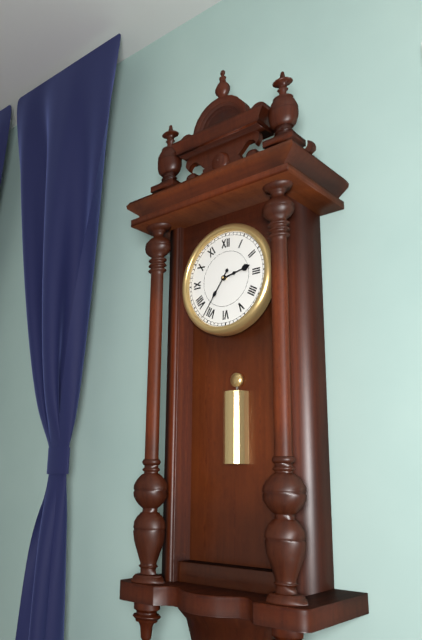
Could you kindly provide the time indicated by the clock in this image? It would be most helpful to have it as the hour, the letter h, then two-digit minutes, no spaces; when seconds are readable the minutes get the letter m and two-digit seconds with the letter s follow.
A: 2h36
